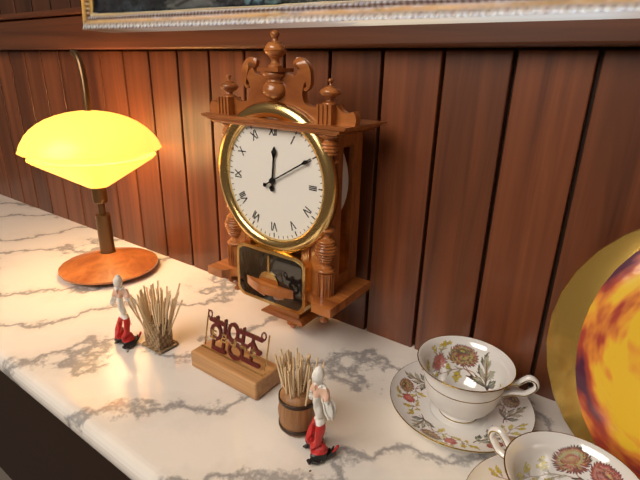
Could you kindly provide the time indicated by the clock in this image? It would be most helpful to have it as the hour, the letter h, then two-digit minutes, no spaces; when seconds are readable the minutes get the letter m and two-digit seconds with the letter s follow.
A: 12h10
